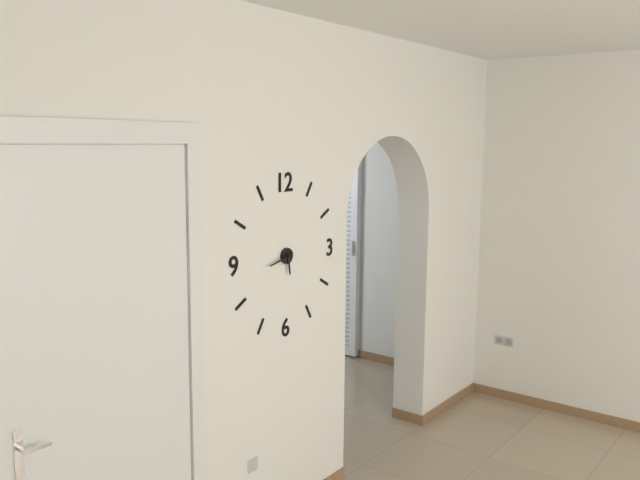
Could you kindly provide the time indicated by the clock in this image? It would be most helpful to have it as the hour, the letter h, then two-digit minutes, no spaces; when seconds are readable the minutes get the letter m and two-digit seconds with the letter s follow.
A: 5h43
